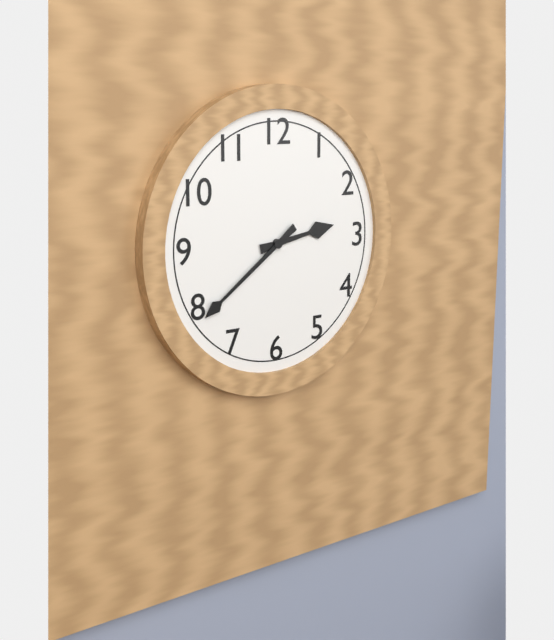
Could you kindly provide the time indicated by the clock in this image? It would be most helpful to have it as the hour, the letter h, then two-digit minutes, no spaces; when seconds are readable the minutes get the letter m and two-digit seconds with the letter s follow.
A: 2h39
